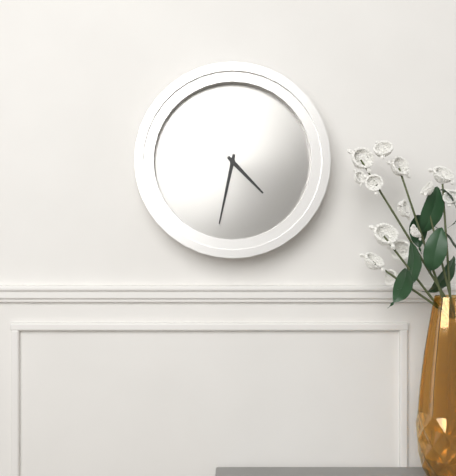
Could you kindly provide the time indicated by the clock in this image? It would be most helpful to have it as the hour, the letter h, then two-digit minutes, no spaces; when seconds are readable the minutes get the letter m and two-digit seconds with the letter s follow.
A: 4h32
